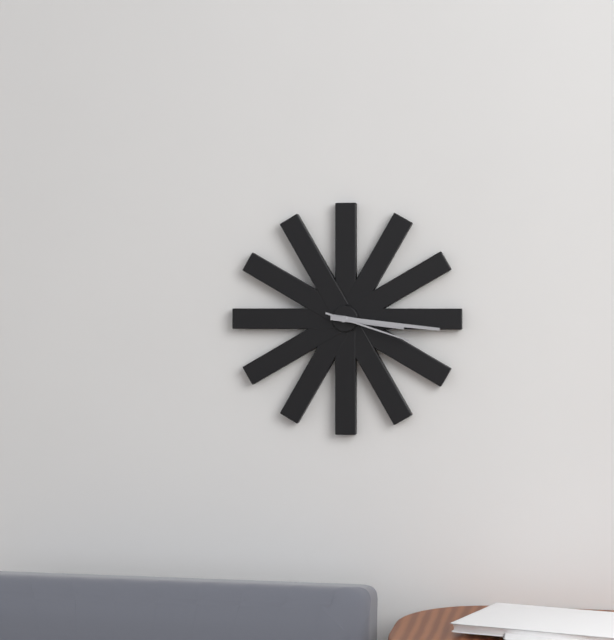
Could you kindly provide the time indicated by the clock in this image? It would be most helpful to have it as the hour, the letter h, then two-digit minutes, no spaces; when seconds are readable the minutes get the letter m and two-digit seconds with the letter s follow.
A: 3h16m18s
